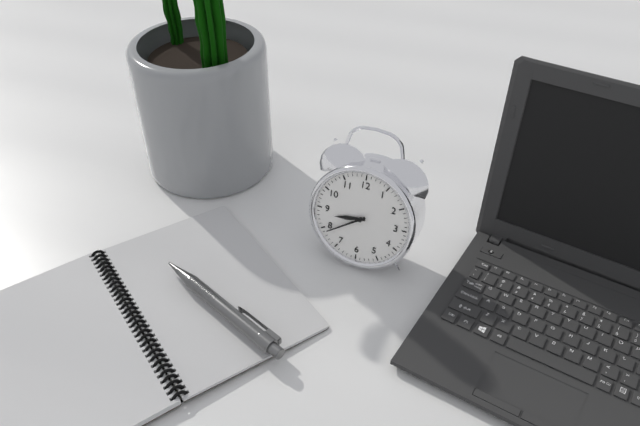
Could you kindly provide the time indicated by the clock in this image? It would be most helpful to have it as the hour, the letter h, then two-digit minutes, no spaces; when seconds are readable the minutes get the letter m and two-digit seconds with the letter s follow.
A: 8h39
